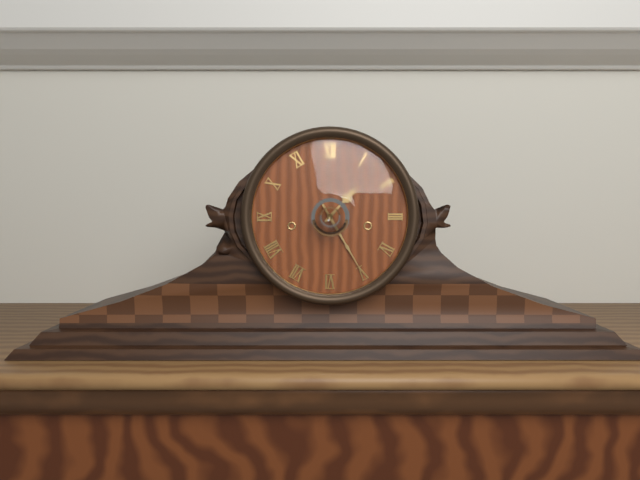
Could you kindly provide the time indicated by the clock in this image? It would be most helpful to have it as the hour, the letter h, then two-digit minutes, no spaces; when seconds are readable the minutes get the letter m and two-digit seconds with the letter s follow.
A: 1h25
